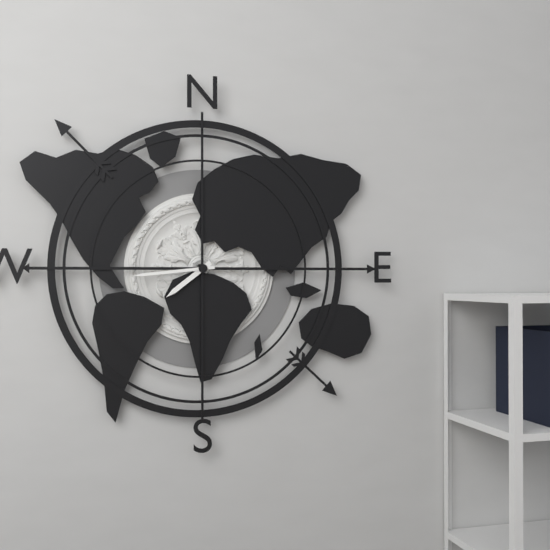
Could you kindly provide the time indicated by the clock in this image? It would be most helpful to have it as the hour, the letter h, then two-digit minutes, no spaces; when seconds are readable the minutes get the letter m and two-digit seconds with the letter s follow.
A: 7h44
